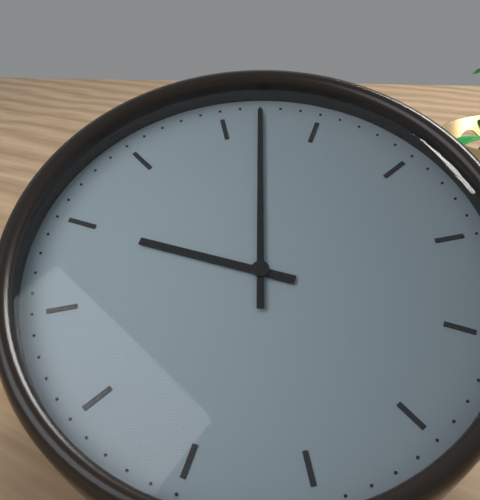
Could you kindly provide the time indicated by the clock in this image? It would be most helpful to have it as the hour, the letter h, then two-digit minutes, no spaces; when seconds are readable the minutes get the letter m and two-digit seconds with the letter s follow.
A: 8h57
